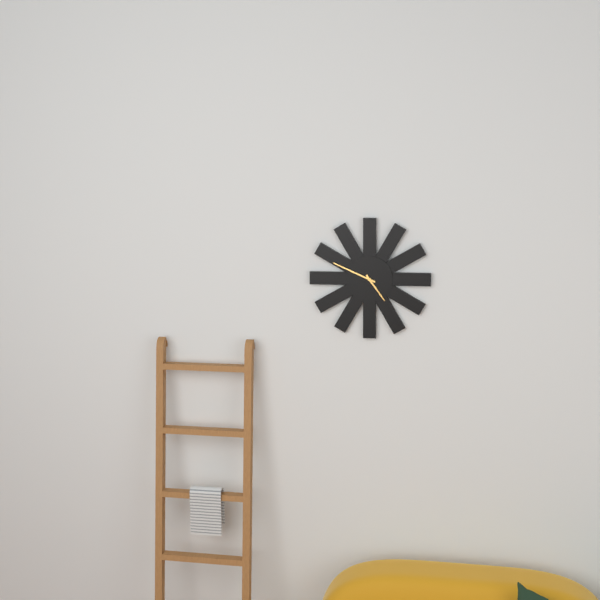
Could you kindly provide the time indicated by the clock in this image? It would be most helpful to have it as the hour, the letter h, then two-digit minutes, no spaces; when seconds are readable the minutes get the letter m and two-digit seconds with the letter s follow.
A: 4h49
